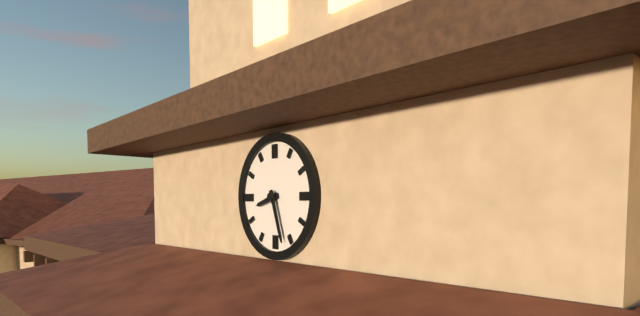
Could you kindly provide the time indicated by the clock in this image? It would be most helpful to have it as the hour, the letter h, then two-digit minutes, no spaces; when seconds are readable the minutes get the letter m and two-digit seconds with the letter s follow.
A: 8h27
